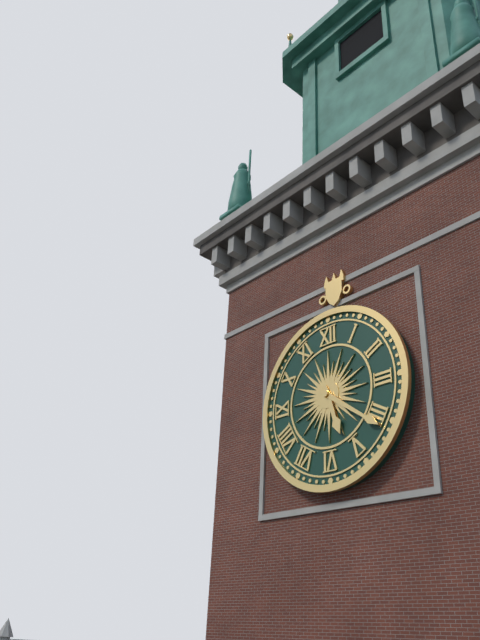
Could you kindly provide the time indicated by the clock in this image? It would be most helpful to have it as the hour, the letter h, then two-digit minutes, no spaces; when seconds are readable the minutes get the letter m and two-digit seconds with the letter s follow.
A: 5h21
